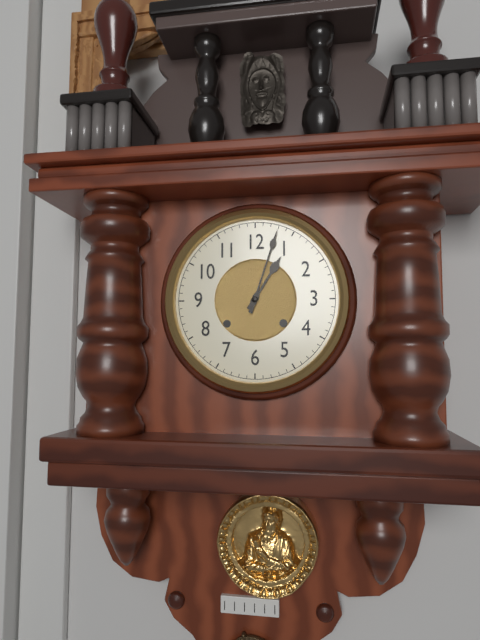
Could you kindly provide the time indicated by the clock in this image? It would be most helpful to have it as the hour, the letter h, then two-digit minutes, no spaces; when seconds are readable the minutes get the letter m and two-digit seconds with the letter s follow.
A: 1h03
